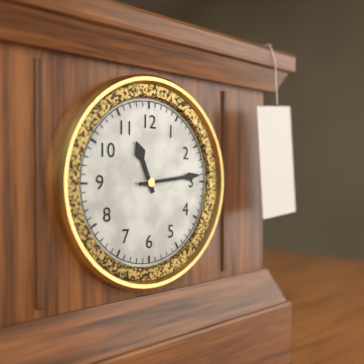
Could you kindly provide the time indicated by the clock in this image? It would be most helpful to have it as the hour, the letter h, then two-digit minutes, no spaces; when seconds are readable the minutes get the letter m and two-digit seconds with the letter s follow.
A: 11h14
